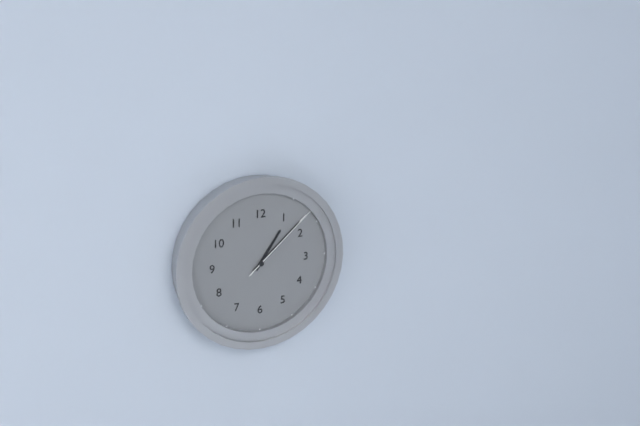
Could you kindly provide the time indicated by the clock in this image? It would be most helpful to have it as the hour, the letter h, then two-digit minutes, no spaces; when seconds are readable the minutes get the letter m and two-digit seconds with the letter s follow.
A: 1h08m08s
